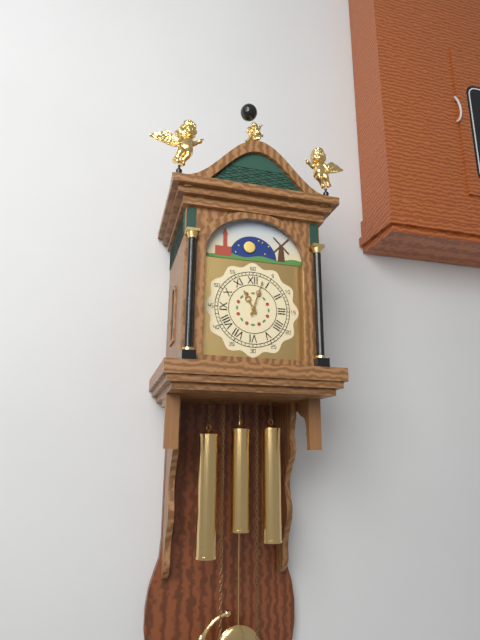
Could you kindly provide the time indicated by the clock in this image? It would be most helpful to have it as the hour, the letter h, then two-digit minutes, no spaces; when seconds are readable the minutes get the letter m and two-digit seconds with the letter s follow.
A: 11h03
